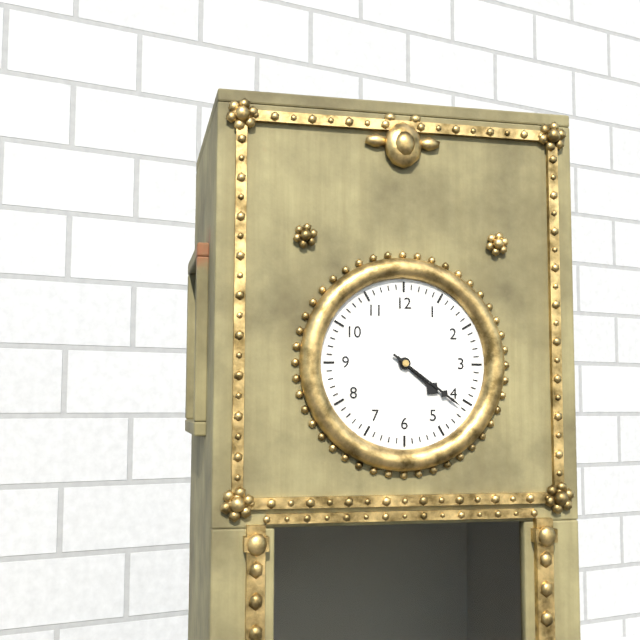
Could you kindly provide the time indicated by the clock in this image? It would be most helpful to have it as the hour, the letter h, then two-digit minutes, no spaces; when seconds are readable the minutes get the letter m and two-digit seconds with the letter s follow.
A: 4h21
